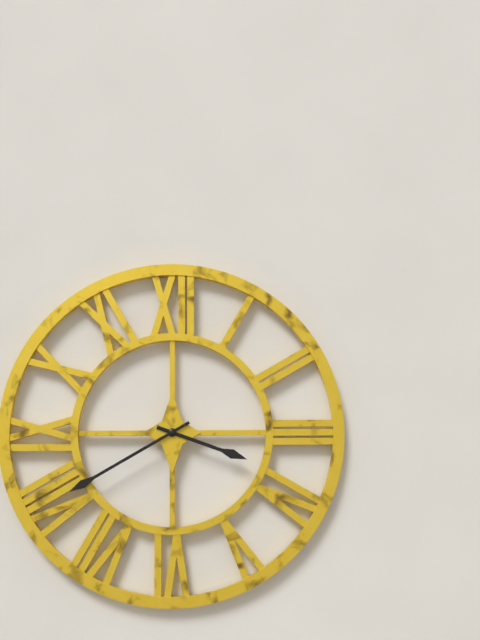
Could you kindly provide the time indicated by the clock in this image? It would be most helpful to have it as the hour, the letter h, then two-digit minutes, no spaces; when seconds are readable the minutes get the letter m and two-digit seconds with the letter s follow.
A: 3h40
